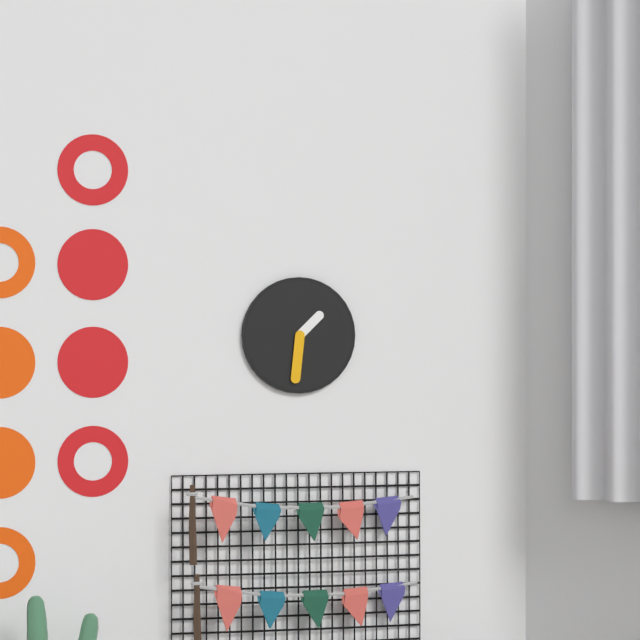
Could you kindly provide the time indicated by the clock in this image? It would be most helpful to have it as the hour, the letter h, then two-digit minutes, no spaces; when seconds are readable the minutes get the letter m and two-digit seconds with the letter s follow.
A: 1h31
